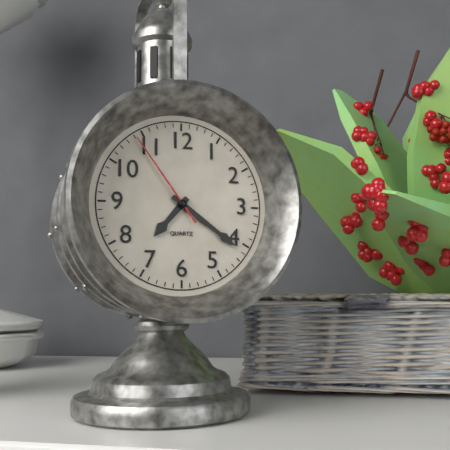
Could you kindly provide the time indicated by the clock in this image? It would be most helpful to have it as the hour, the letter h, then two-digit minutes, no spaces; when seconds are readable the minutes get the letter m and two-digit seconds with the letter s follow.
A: 7h21m54s
